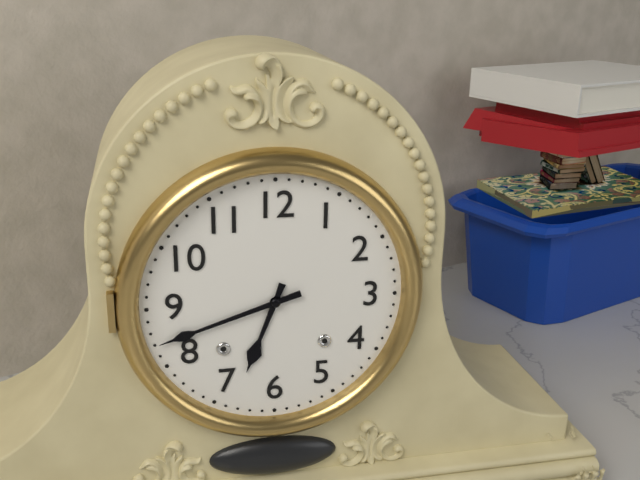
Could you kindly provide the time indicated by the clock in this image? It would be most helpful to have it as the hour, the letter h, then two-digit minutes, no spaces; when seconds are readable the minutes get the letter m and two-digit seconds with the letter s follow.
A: 6h42
